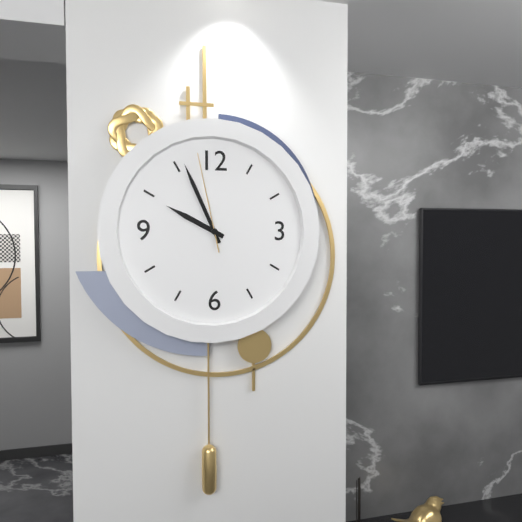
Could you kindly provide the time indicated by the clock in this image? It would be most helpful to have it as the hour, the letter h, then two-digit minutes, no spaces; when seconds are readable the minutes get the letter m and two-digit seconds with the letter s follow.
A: 9h56m58s
